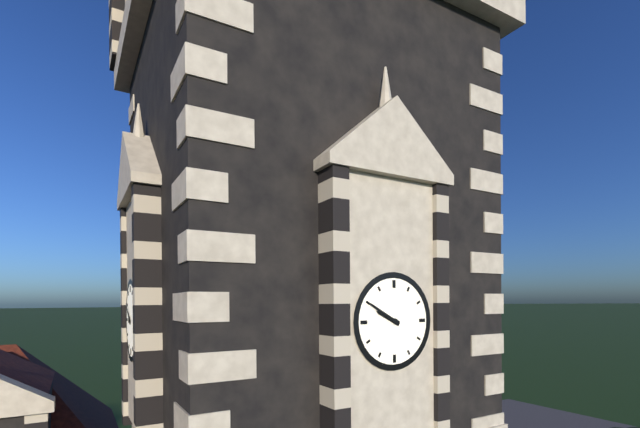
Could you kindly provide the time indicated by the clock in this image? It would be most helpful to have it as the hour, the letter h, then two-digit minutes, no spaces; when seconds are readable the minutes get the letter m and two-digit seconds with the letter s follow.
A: 9h50
